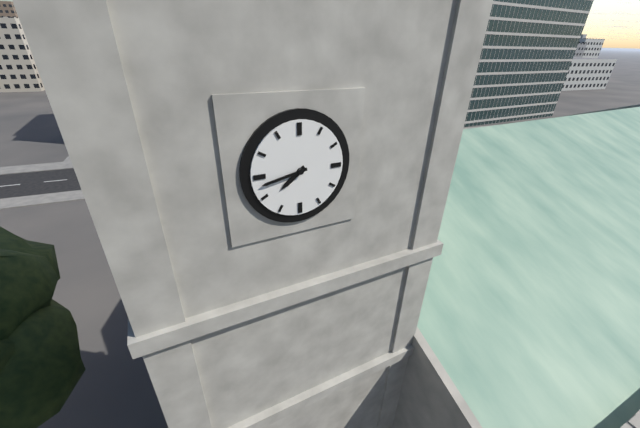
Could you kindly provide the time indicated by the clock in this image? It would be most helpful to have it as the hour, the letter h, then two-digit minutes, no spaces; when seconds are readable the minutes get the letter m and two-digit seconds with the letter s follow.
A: 7h43
